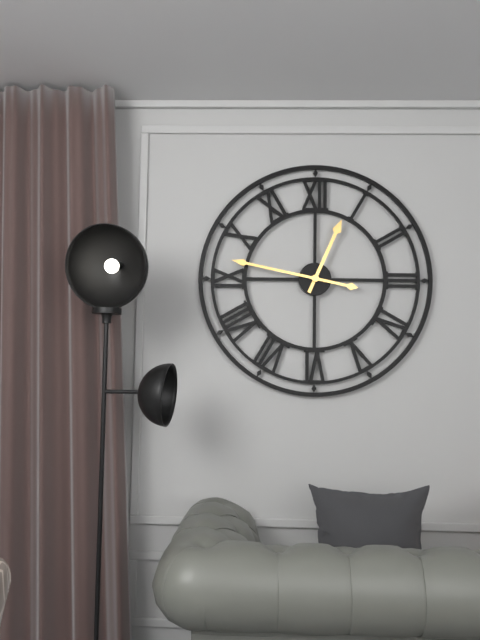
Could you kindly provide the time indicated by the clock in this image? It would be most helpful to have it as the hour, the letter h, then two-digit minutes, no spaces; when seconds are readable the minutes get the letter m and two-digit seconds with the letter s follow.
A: 12h47
